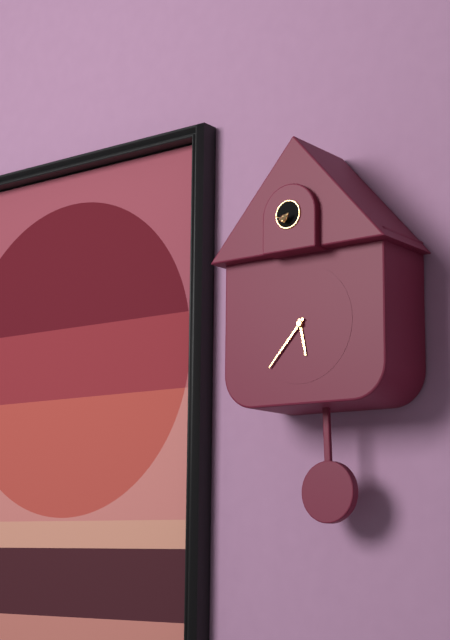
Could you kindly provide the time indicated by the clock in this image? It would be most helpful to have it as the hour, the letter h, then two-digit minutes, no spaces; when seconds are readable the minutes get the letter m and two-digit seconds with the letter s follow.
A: 5h37
